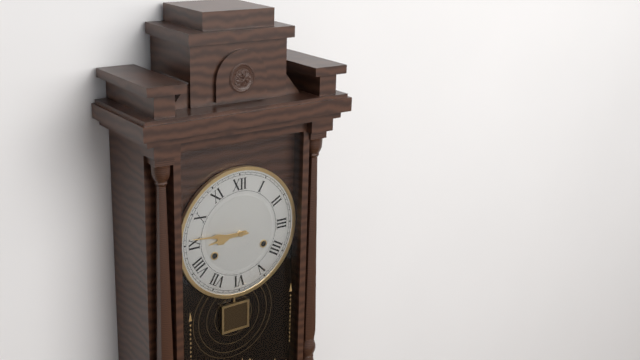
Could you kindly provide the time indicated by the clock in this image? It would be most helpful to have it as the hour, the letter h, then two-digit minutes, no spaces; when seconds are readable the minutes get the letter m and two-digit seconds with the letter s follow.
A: 8h46
